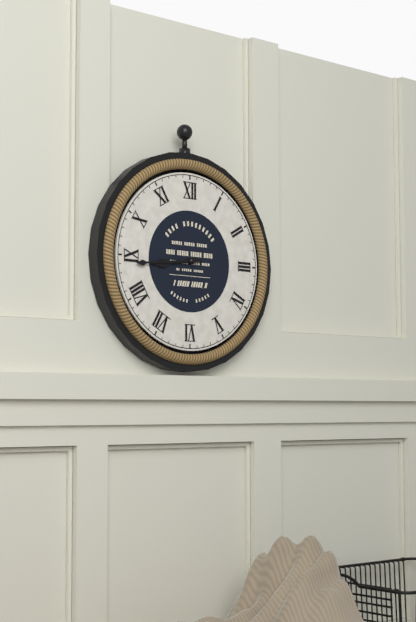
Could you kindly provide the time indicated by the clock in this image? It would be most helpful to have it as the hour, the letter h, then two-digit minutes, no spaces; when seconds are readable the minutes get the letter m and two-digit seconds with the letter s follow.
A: 8h44
